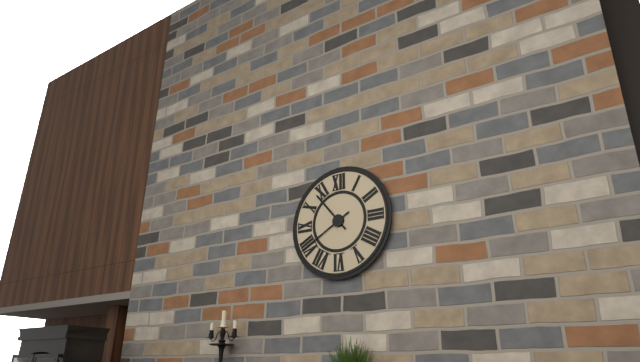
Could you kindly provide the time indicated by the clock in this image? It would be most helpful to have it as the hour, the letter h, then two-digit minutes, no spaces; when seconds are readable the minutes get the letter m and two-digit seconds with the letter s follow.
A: 10h40
